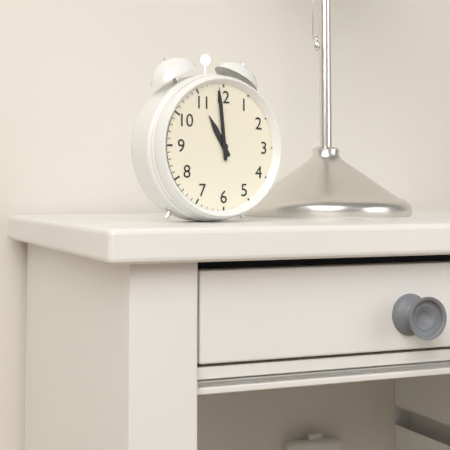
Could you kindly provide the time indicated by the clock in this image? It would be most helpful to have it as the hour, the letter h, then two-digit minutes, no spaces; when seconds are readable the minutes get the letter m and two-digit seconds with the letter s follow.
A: 10h59
